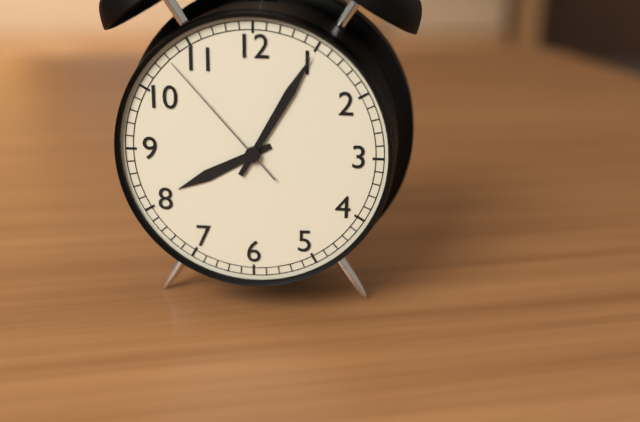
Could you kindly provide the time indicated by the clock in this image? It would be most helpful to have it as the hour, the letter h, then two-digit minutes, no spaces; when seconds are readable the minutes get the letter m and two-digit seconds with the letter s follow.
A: 8h05m53s
